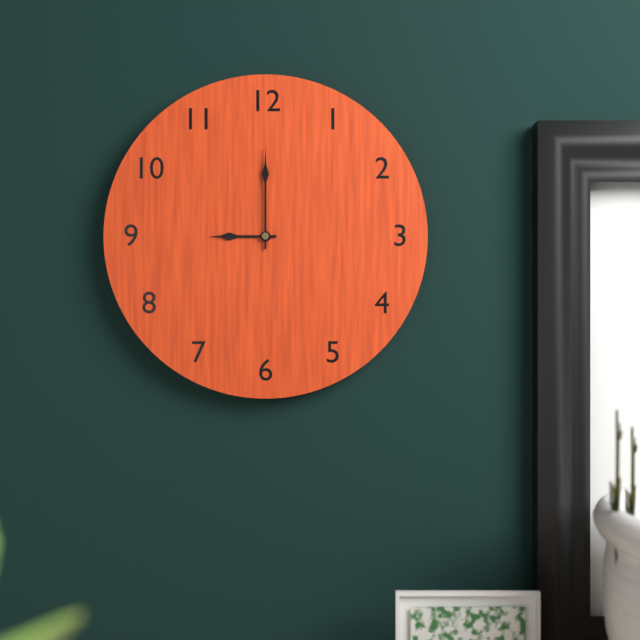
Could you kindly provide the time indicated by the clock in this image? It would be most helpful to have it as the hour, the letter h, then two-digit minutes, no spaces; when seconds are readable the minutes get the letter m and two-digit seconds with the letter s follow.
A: 9h00
